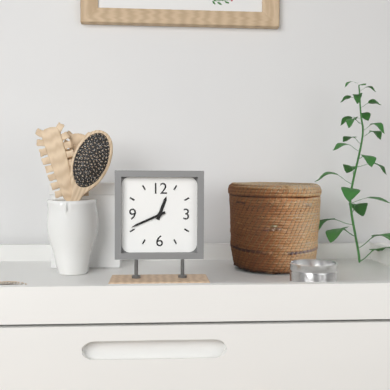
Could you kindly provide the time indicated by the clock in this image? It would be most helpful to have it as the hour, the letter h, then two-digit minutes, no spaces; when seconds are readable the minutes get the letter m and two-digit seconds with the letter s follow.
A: 12h41
